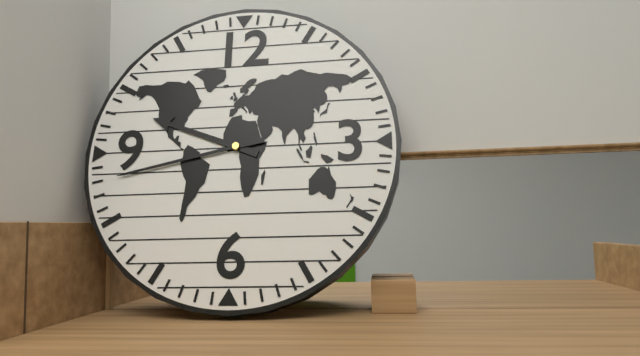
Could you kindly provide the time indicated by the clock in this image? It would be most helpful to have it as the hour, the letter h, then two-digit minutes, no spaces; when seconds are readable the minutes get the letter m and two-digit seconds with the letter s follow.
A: 9h43
